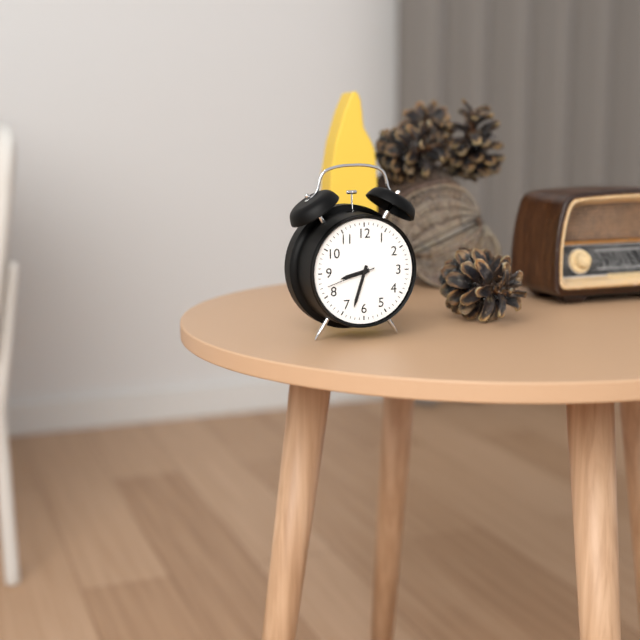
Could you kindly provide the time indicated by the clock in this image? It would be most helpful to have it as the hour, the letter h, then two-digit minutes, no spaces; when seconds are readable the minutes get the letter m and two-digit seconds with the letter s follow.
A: 8h33
